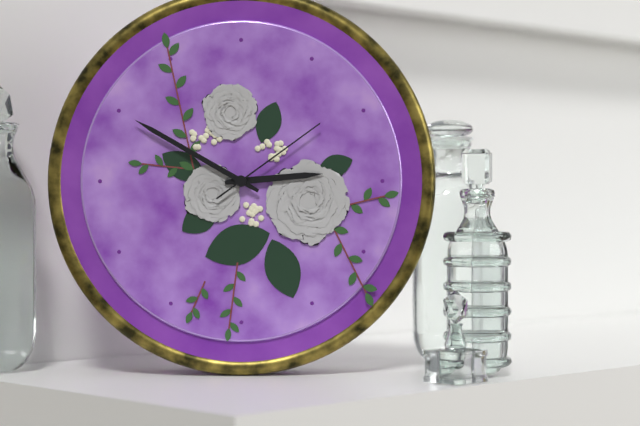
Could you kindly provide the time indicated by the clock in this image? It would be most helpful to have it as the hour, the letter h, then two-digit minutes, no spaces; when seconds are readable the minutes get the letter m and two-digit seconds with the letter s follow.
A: 2h50m09s
